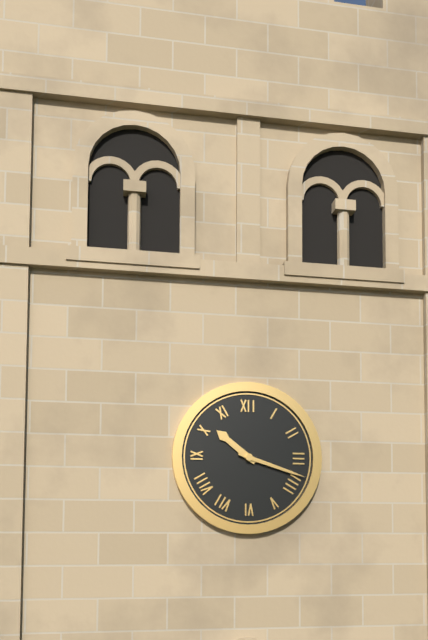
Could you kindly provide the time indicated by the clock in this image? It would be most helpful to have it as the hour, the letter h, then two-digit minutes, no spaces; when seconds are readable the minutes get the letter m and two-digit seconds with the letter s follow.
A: 10h18
